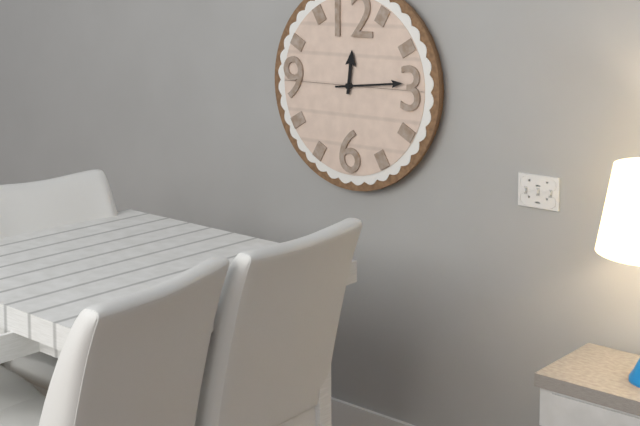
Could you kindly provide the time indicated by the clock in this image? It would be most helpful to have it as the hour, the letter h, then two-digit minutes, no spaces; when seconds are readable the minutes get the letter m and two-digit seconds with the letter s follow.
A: 12h14
